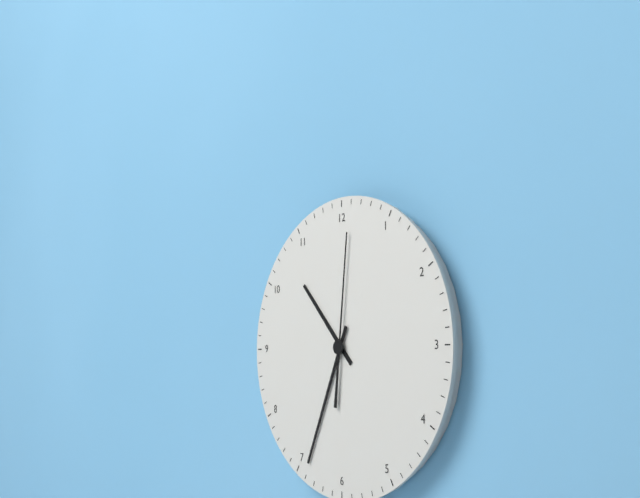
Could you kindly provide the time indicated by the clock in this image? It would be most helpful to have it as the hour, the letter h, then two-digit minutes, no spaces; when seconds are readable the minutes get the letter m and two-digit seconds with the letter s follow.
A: 10h34m01s
